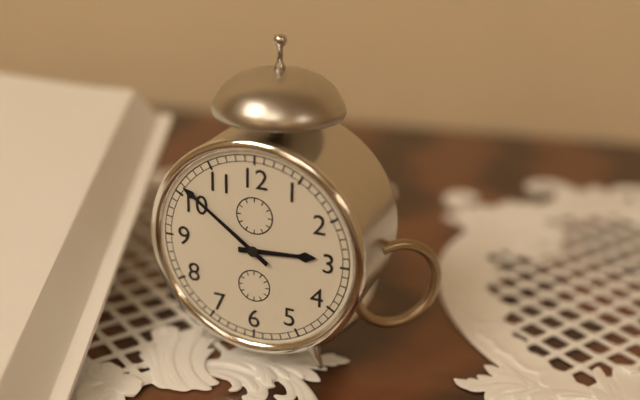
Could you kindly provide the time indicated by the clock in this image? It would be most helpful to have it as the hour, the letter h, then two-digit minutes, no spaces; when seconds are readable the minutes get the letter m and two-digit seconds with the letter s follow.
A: 2h51
